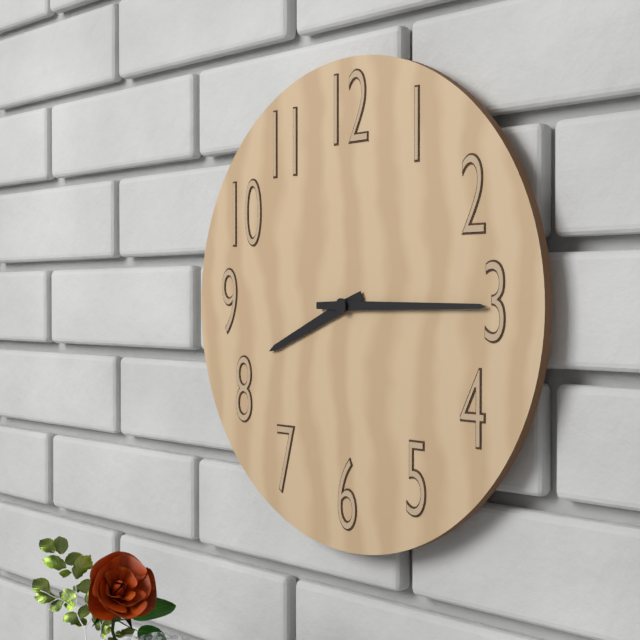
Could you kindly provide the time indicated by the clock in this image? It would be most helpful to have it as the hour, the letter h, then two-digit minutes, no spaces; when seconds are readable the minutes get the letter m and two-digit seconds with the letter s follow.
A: 8h15
